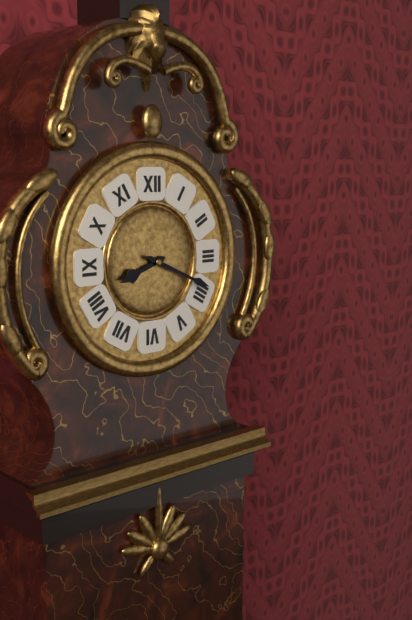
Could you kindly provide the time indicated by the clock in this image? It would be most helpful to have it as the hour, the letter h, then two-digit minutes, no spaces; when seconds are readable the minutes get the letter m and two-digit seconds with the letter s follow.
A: 8h19
